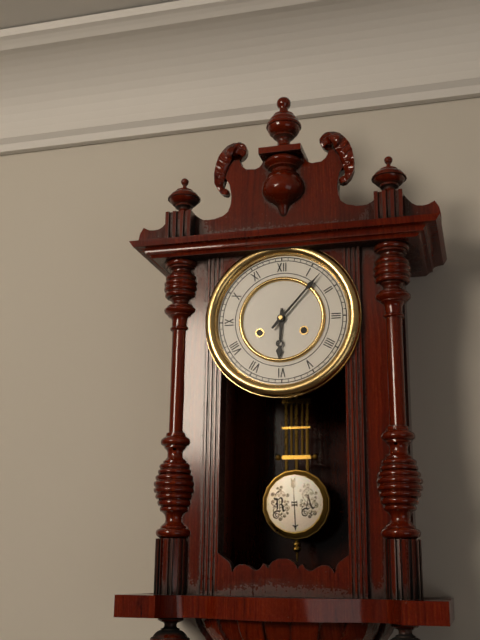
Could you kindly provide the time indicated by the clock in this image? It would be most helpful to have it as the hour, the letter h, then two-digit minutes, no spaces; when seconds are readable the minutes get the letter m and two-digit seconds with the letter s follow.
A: 6h07
